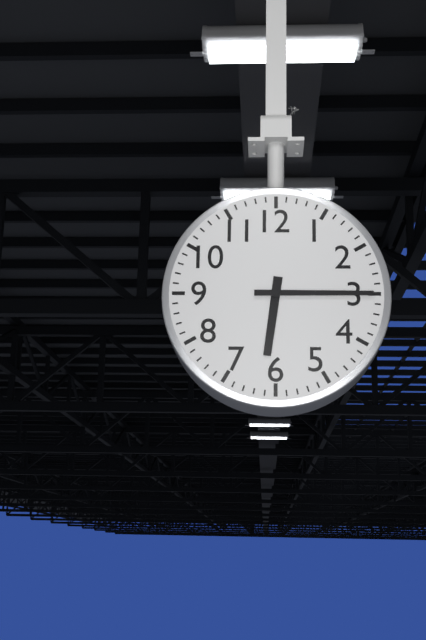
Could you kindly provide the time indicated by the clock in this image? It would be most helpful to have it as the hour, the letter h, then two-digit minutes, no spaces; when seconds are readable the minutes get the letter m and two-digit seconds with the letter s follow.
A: 6h15
